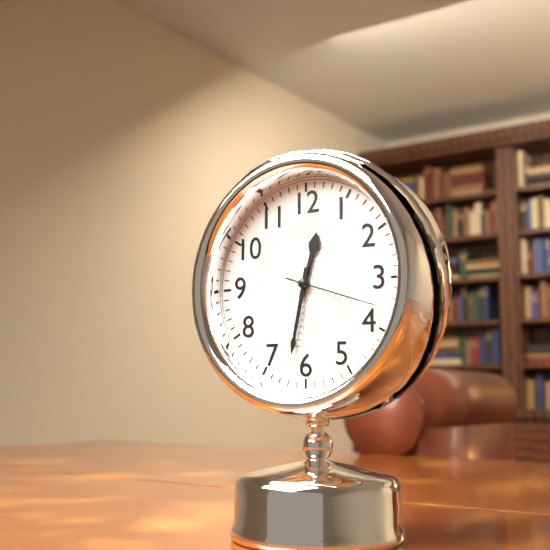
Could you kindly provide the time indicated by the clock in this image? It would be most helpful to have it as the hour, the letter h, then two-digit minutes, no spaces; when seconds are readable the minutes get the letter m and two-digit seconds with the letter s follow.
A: 12h32m18s
